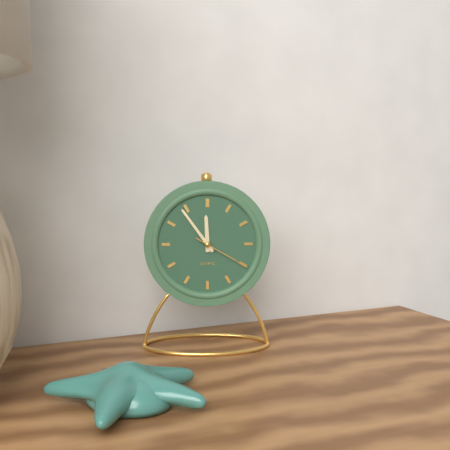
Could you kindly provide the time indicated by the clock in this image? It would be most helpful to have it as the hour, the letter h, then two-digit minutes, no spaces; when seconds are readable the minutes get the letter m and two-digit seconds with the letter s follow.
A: 11h54m20s
